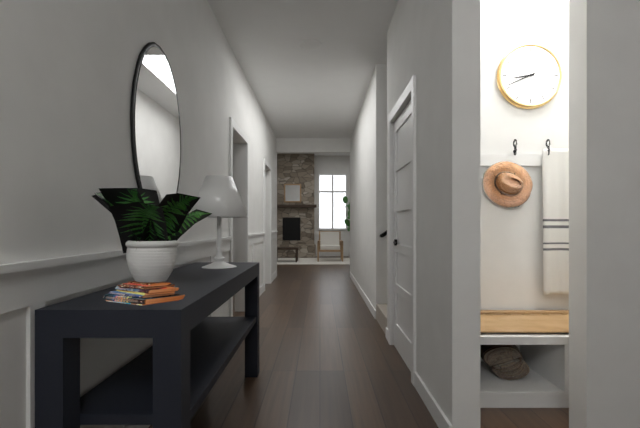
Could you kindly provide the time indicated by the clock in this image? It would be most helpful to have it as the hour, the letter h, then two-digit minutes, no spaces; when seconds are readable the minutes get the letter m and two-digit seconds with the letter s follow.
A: 8h41
